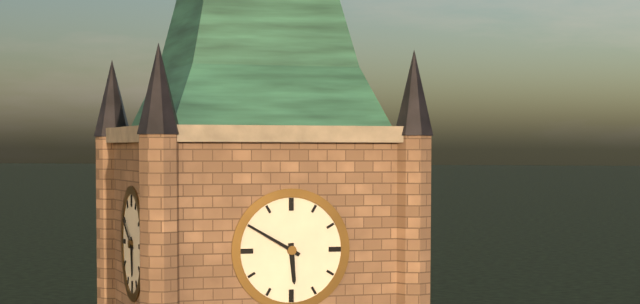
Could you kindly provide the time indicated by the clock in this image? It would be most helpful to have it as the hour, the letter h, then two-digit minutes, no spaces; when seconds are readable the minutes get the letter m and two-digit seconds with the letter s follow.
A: 5h50
